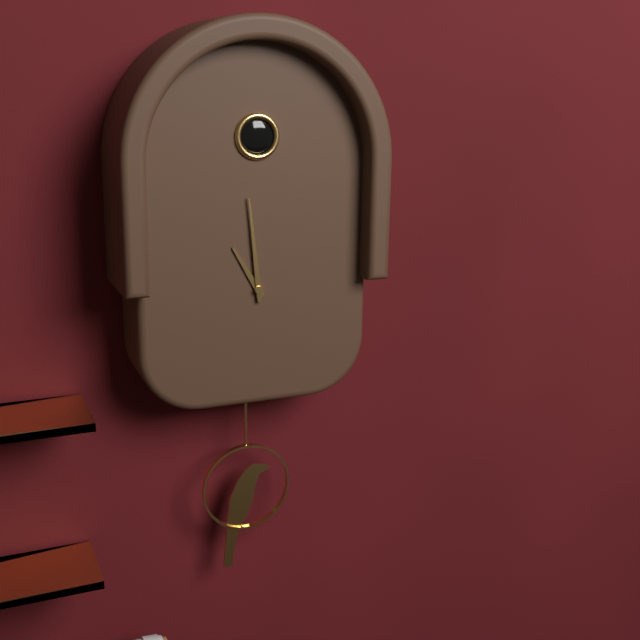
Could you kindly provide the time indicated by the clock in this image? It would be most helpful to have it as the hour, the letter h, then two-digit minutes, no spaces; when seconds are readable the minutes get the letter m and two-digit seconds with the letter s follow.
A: 10h59
